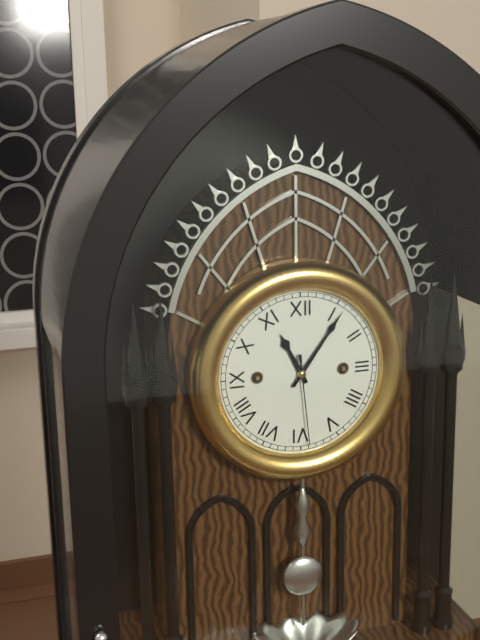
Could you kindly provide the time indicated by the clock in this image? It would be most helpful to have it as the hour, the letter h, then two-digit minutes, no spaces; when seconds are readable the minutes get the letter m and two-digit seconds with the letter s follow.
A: 11h06m29s
